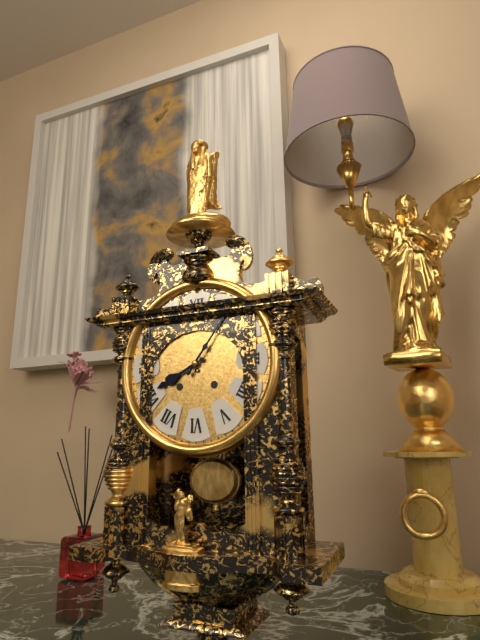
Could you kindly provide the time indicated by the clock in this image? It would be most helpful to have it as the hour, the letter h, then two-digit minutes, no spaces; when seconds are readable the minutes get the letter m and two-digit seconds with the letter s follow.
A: 8h06
